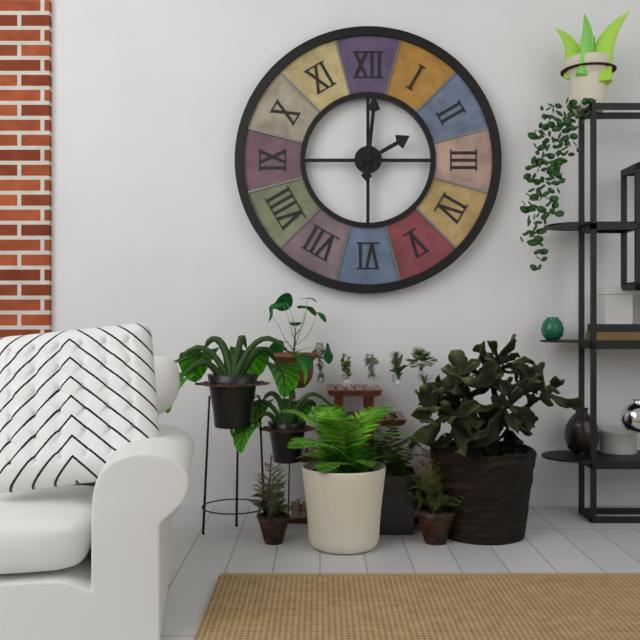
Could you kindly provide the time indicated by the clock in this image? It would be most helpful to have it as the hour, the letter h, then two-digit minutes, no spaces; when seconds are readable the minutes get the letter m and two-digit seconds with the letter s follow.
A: 2h01
